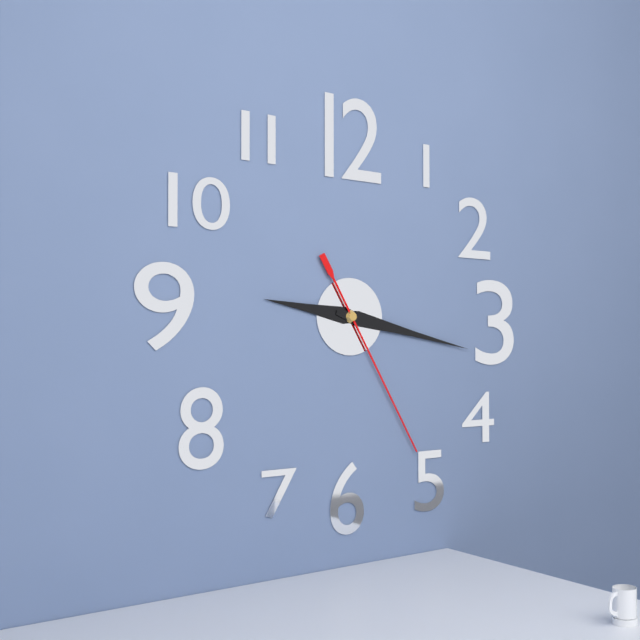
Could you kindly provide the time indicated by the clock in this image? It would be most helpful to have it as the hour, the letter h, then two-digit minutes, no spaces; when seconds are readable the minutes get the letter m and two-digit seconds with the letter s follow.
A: 9h17m25s
